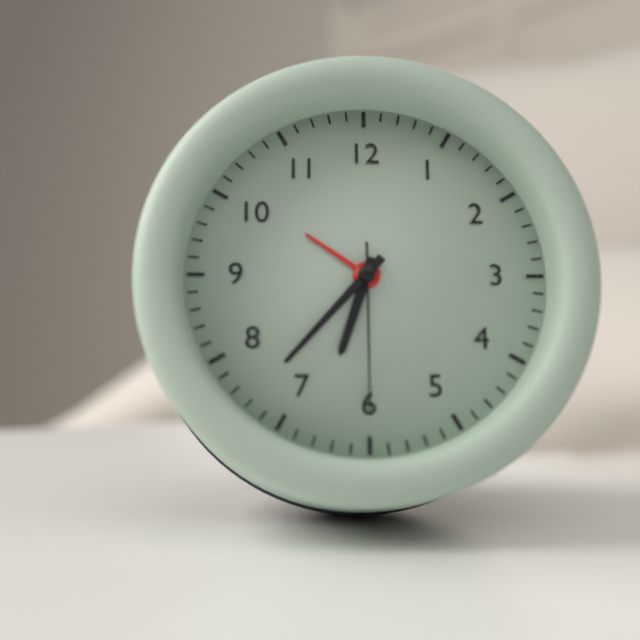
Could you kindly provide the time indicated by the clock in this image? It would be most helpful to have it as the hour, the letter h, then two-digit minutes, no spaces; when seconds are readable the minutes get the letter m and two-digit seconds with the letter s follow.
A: 6h37m30s
